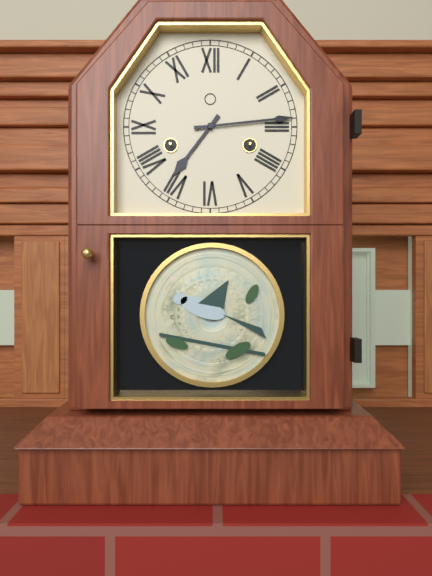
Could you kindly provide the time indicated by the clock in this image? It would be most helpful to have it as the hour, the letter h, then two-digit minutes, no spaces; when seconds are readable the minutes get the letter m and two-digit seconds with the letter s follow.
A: 7h14
